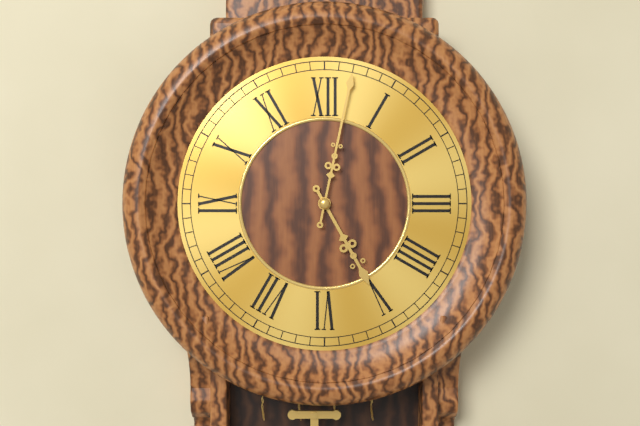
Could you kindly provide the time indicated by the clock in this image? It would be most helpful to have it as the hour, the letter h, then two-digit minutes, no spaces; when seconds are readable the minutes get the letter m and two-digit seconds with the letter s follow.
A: 5h02
